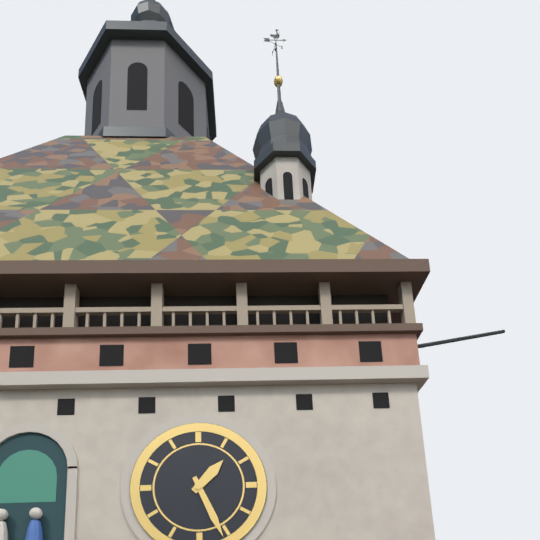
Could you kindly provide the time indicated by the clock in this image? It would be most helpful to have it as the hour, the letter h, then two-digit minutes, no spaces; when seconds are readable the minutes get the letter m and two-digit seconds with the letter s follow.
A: 1h26
